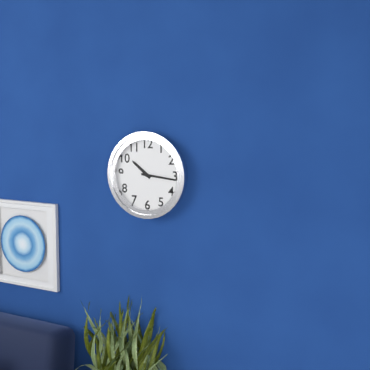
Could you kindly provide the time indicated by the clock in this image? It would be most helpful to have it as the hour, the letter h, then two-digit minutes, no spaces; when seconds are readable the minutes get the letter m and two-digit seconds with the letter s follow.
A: 10h16
